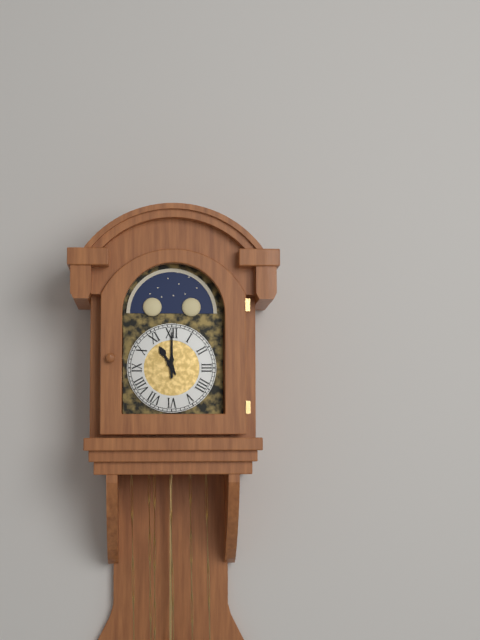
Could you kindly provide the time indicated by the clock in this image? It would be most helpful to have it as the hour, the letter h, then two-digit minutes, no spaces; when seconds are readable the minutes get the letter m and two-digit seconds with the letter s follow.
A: 11h00
